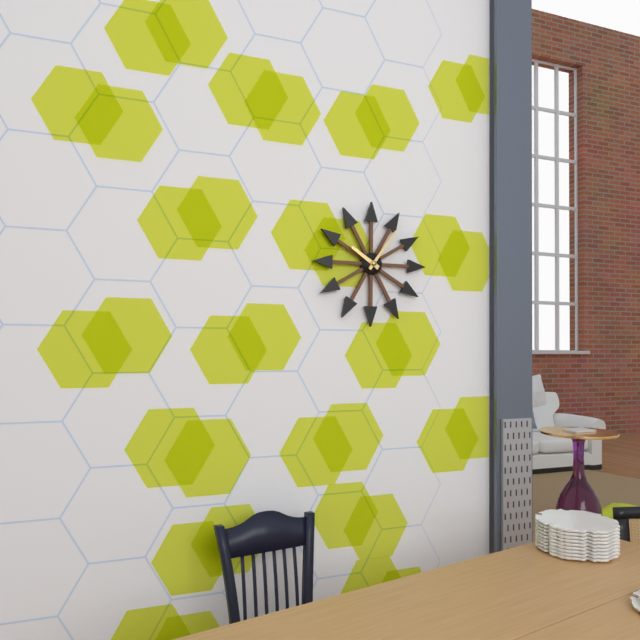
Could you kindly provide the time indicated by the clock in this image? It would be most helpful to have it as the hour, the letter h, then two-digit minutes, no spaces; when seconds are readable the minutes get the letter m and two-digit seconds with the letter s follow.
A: 10h06
